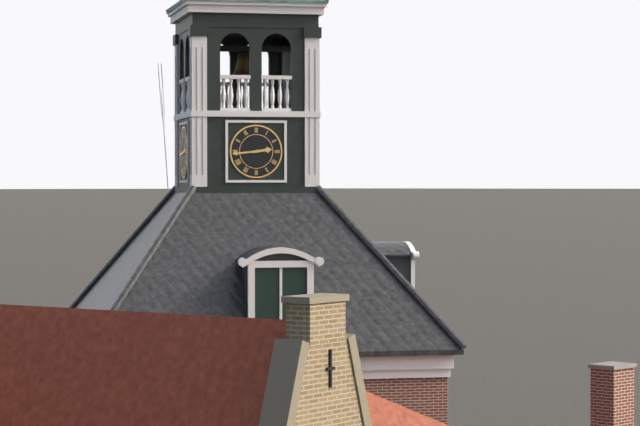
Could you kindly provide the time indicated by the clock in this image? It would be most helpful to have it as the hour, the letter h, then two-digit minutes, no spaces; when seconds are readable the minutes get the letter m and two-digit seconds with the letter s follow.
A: 2h44
